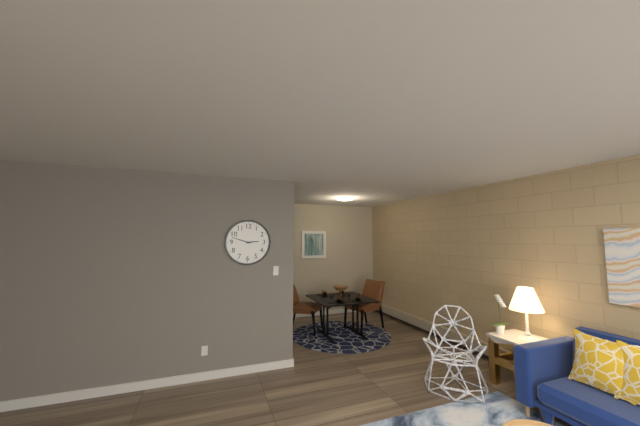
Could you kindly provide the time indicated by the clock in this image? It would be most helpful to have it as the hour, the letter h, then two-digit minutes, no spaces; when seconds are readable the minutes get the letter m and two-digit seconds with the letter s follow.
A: 2h48
